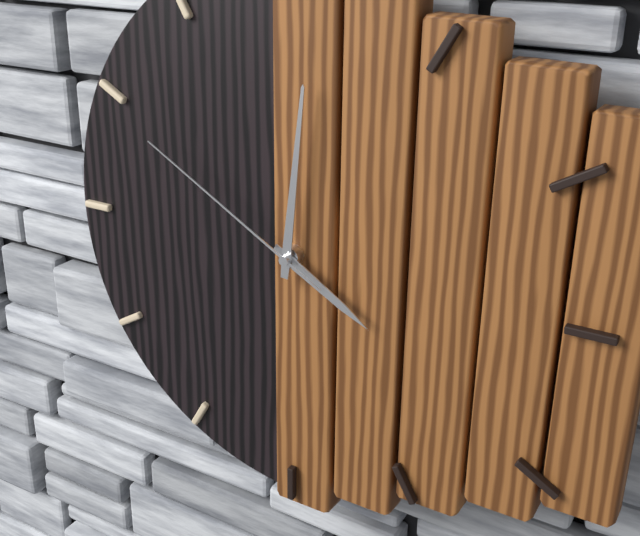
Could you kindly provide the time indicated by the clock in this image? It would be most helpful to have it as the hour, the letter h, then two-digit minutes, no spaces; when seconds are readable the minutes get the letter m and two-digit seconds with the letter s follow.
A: 4h01m50s
